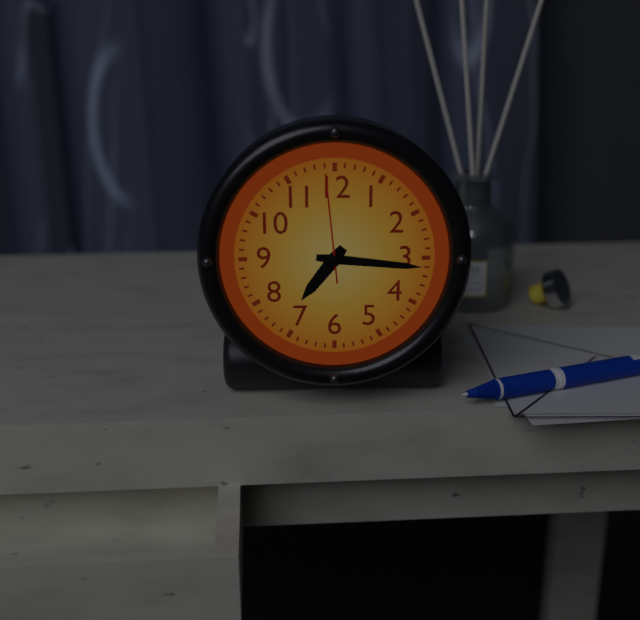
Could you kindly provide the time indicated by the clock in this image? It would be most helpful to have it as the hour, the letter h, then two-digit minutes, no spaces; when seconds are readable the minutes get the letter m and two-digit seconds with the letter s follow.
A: 7h16m59s
